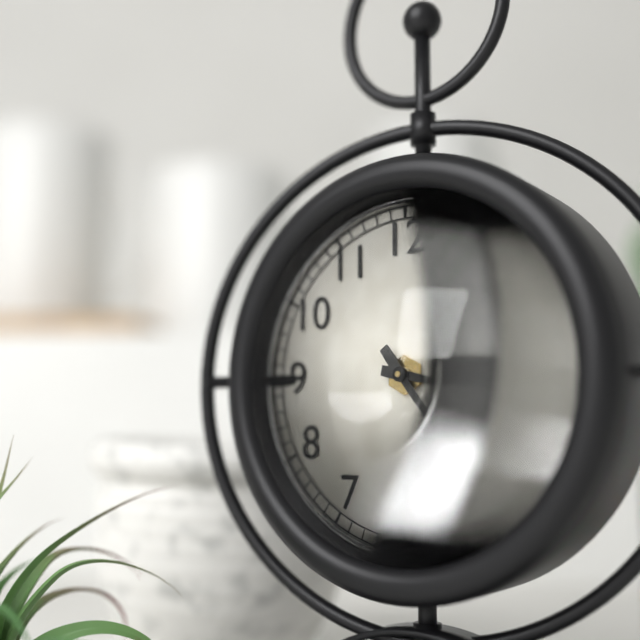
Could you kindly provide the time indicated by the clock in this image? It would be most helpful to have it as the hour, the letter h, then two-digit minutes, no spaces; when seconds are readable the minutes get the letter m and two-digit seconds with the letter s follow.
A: 3h24
